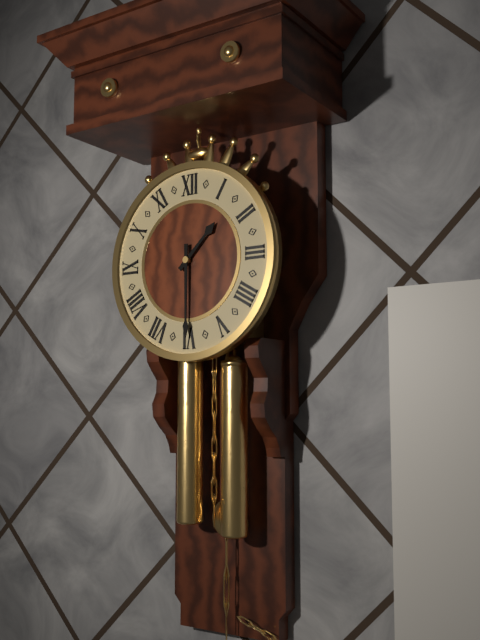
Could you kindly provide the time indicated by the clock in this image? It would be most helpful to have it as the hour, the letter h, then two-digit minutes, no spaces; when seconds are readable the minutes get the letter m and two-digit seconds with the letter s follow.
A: 1h30
